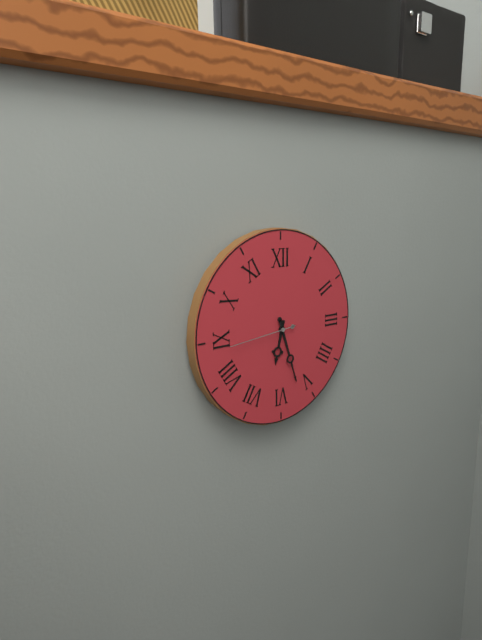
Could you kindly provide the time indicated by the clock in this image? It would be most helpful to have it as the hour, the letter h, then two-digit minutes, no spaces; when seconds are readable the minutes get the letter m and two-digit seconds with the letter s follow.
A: 6h27m44s
